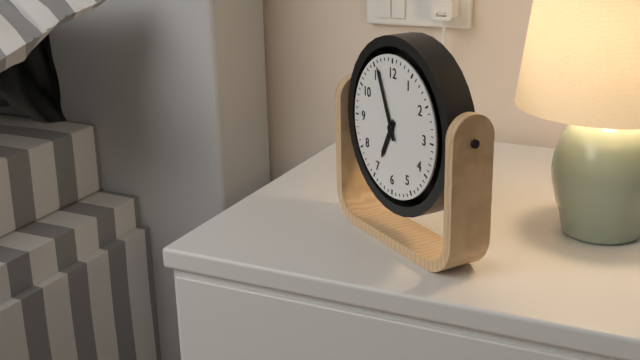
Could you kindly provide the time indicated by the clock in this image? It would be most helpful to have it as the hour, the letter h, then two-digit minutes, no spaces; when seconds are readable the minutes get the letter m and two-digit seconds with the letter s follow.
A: 6h56
